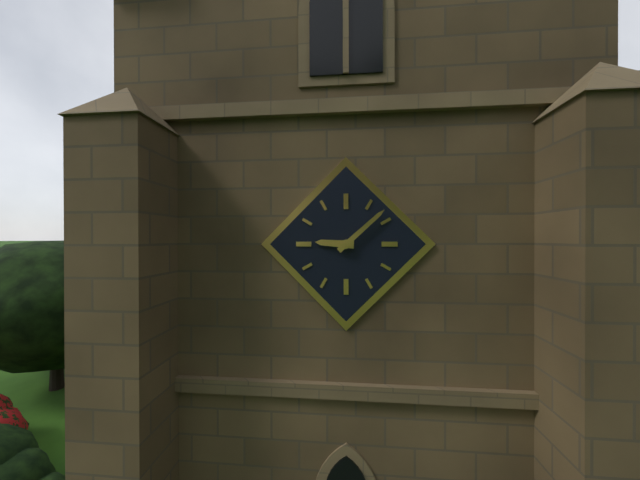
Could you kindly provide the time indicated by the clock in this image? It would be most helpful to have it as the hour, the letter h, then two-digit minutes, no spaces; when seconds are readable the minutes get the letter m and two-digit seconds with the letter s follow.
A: 9h08
